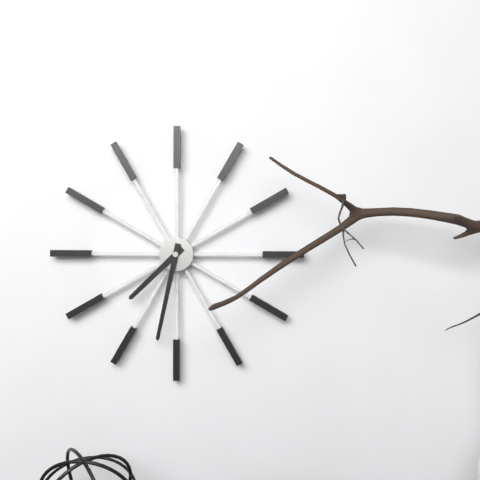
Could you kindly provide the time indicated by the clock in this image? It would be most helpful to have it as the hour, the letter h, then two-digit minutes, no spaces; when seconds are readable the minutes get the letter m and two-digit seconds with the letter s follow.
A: 7h32
